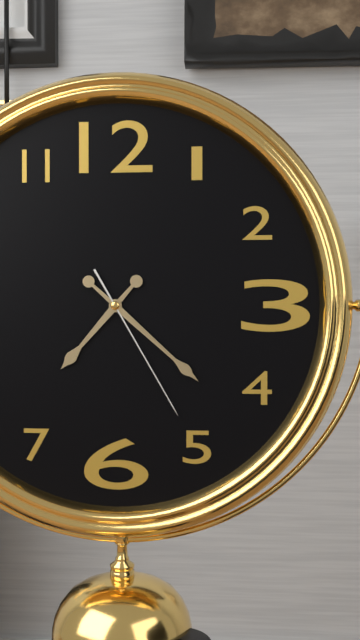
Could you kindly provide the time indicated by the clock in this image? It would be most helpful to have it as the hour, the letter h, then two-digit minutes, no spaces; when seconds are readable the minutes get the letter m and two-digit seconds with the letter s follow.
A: 7h22m25s
